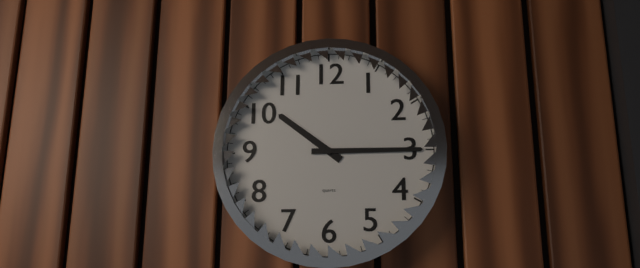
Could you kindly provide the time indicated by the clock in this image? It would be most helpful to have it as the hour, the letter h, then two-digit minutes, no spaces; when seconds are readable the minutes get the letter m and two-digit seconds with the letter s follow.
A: 10h15
